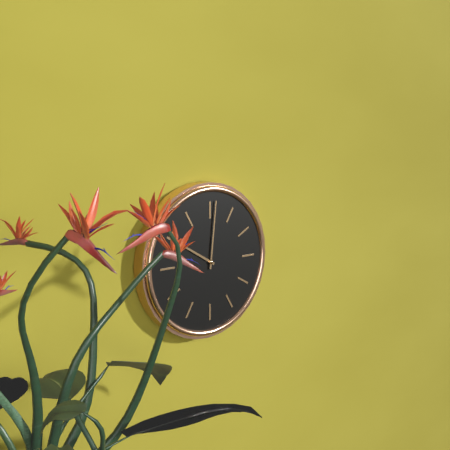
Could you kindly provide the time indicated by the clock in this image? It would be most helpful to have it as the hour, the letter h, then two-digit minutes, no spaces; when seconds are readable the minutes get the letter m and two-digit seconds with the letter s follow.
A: 10h01
